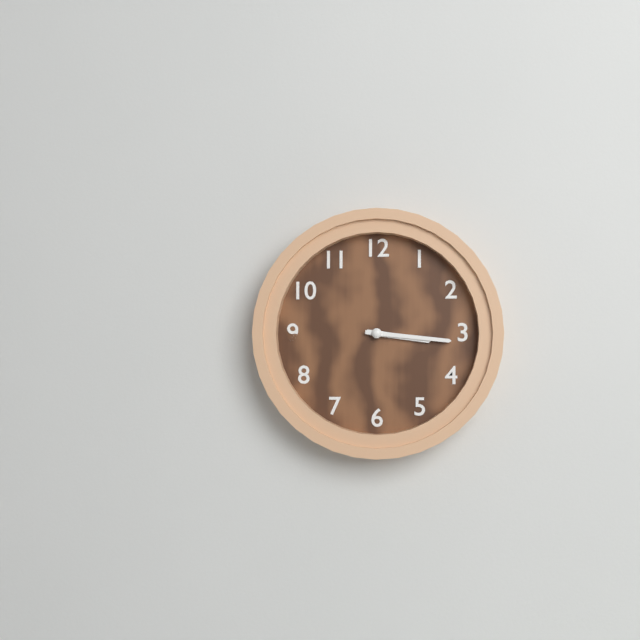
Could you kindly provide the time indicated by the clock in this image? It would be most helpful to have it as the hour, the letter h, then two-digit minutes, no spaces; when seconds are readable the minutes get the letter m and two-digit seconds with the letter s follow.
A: 3h16
